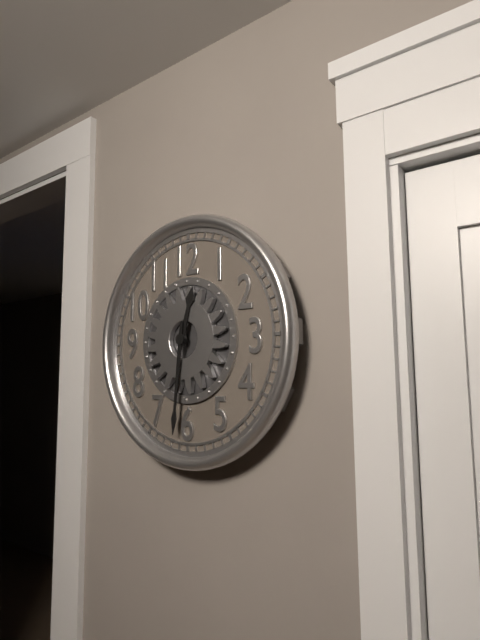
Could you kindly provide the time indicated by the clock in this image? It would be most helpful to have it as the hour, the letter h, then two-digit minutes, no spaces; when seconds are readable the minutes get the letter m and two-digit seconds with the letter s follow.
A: 12h31
